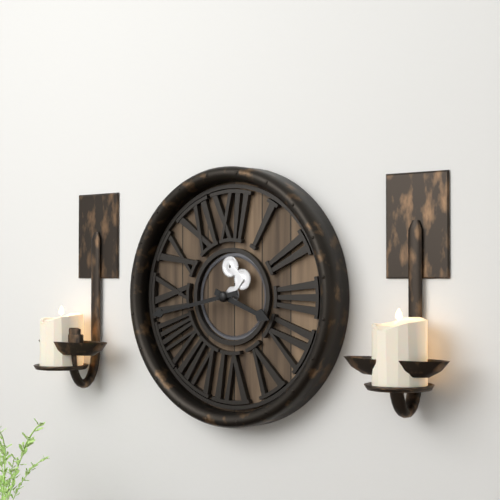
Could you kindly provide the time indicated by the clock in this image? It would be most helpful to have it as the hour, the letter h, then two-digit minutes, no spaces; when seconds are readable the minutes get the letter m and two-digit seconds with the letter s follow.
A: 3h43
